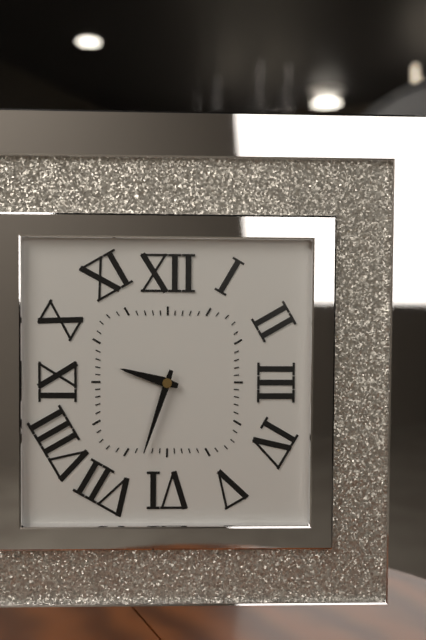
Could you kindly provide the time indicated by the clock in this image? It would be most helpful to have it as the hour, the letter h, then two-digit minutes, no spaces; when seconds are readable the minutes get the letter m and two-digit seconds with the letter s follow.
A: 9h33
